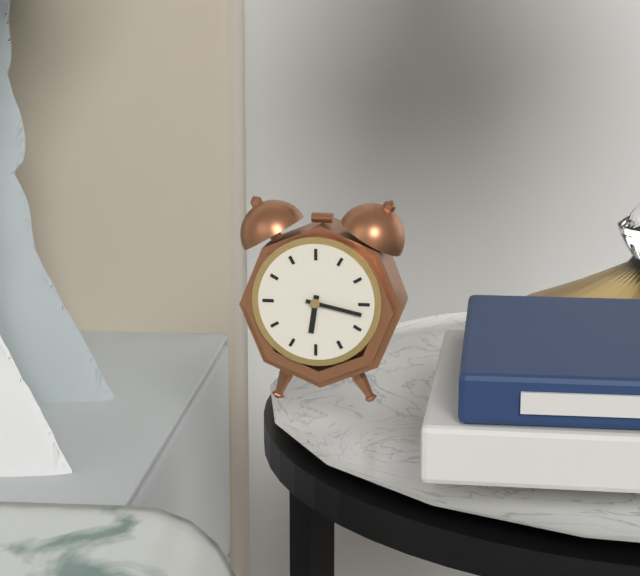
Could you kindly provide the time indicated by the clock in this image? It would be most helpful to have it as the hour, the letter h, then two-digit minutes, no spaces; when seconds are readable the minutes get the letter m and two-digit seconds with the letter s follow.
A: 6h17
